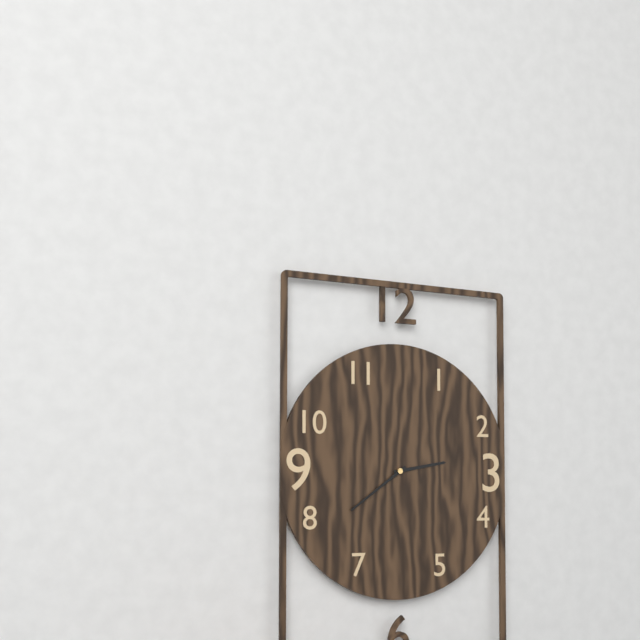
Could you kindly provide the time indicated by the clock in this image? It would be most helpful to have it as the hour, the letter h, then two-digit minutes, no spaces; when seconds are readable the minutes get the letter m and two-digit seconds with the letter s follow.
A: 2h39
